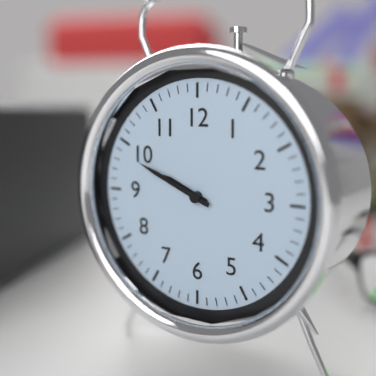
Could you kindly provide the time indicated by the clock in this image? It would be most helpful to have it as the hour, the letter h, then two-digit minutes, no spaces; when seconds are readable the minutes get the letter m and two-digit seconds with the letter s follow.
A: 9h49
